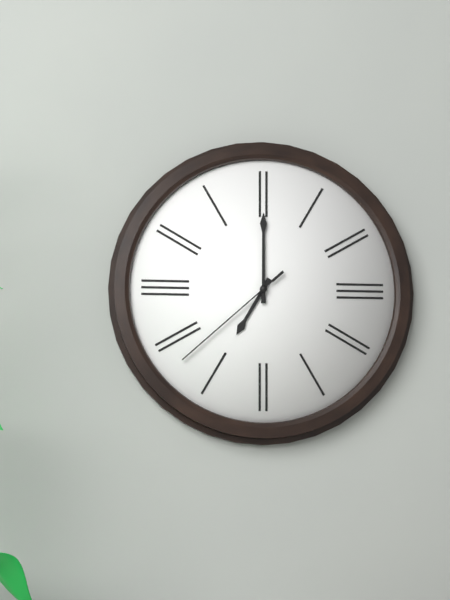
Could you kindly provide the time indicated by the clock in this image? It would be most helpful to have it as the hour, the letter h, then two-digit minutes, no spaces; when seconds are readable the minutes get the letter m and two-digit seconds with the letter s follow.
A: 7h00m38s
